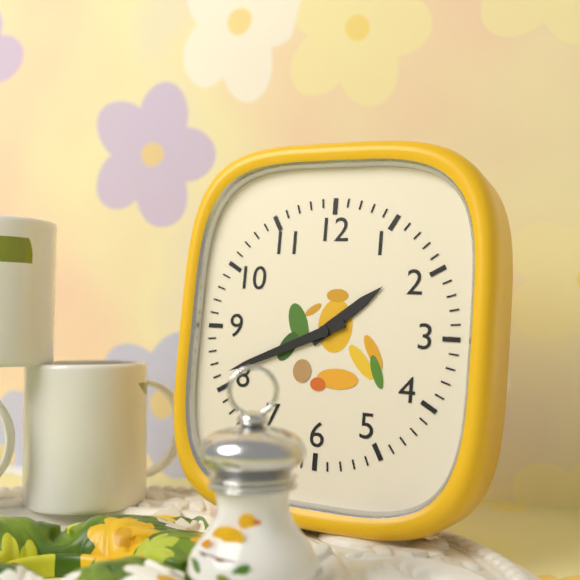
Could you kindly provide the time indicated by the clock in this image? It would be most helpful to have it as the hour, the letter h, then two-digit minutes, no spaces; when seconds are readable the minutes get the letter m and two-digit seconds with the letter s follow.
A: 1h41
